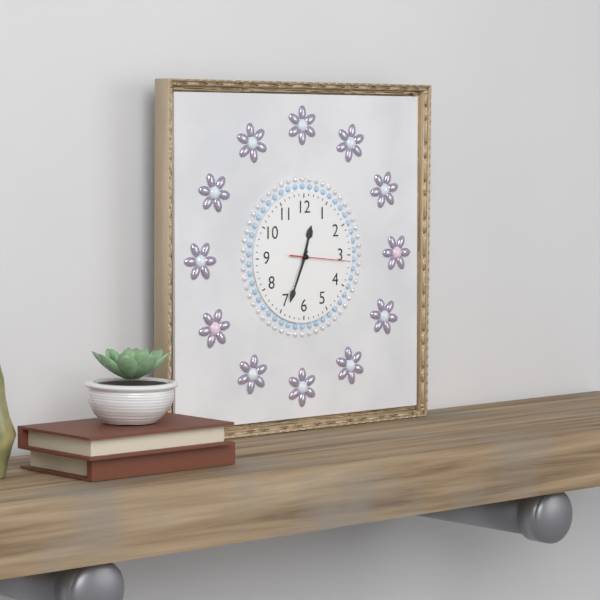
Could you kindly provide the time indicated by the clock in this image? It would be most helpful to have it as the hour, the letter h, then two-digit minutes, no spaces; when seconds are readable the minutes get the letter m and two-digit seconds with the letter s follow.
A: 12h34m16s
